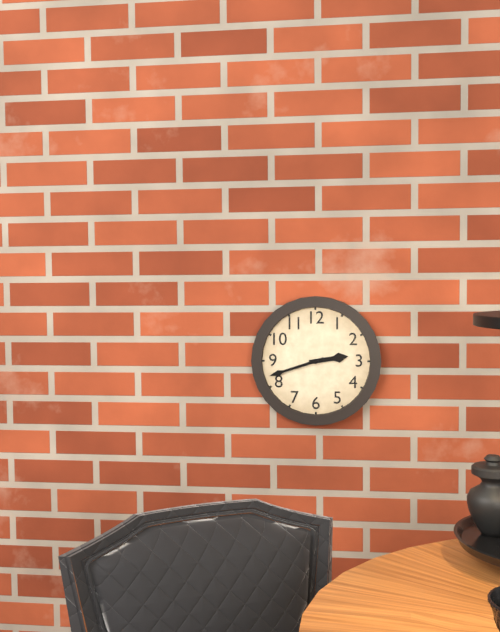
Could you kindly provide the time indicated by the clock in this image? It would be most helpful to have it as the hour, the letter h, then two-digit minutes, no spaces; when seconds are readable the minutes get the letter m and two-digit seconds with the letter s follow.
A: 2h42
